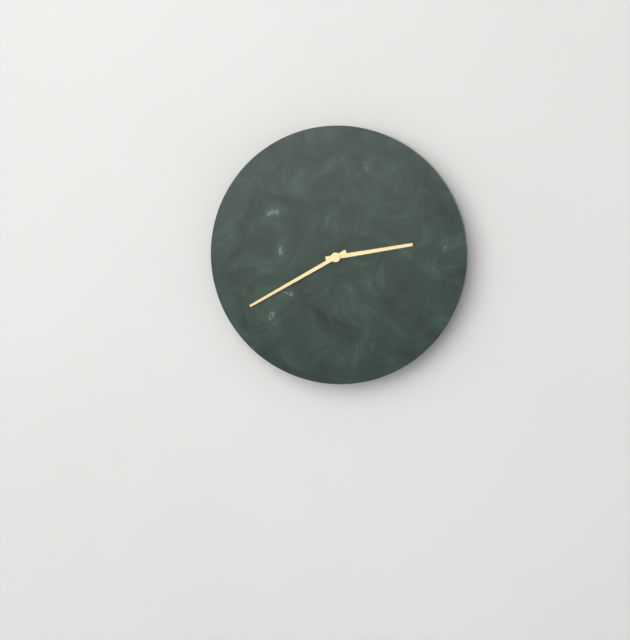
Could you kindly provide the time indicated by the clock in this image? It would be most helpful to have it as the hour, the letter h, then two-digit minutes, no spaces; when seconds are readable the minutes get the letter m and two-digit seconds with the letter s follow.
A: 2h40
